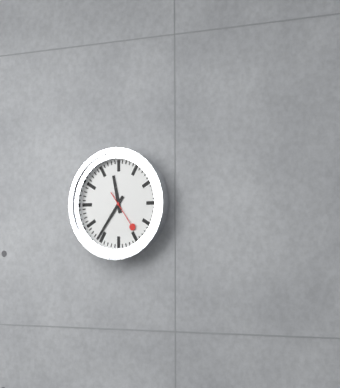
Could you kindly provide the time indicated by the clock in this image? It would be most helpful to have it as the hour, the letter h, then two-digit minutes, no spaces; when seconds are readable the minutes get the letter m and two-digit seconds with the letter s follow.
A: 11h36
